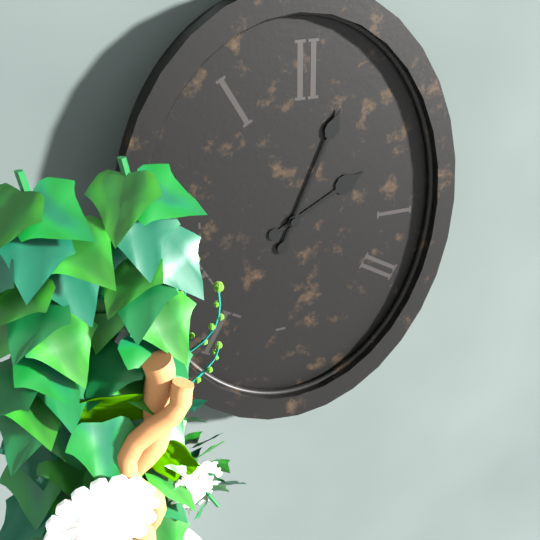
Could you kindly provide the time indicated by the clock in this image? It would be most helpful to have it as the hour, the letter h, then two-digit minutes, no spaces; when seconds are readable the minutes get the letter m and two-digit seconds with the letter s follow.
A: 2h04
